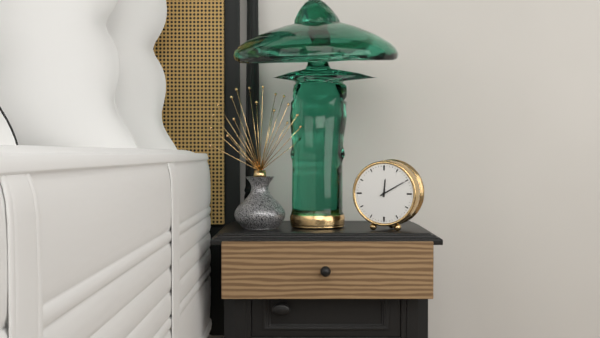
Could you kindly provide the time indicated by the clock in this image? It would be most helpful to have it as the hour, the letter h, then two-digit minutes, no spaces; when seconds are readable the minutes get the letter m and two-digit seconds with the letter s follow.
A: 12h10
